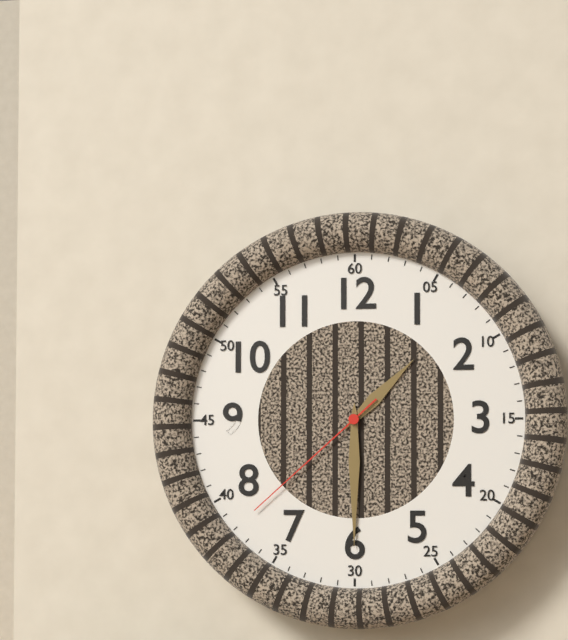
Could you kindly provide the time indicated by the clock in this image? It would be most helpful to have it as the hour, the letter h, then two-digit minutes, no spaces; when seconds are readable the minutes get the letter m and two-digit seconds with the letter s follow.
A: 1h30m38s
